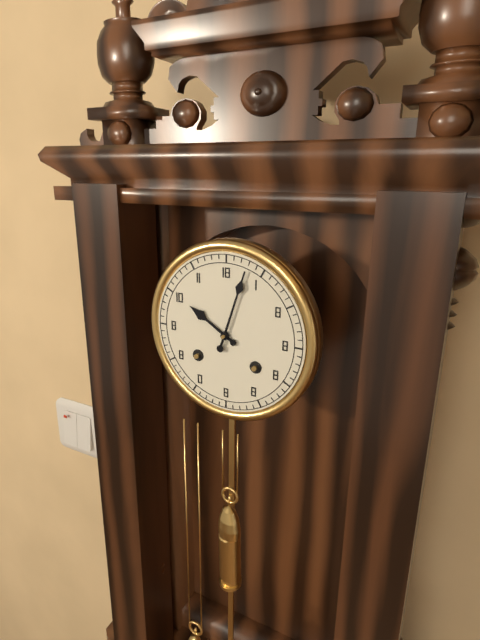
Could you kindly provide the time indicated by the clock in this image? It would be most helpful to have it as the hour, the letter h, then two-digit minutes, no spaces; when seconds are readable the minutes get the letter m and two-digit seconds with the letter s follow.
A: 10h03
